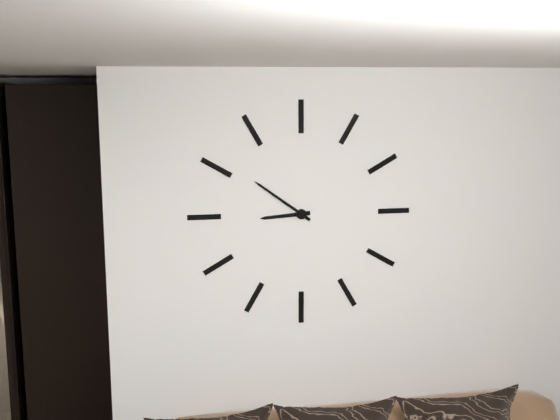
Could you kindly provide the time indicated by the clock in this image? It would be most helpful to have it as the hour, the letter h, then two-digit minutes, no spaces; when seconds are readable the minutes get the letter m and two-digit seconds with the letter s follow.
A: 8h51
